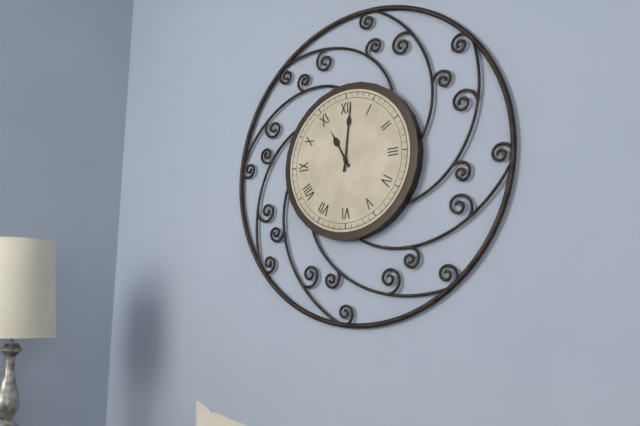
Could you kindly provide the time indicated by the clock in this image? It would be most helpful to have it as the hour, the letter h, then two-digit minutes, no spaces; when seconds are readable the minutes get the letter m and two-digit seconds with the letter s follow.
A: 11h01
